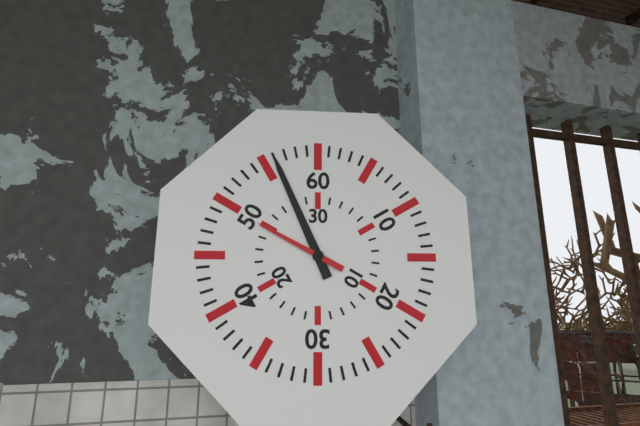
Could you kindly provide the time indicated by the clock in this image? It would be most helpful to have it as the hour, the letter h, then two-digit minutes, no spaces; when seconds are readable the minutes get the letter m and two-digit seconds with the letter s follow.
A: 9h56
